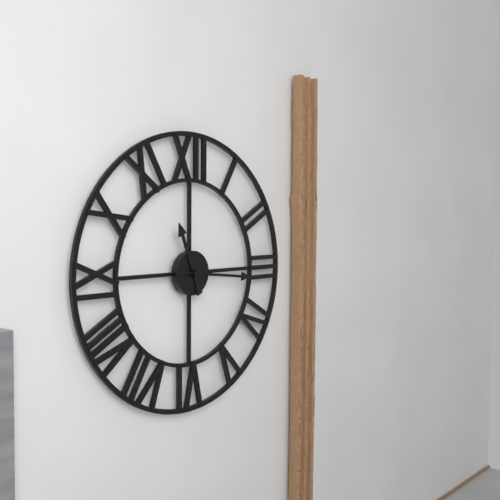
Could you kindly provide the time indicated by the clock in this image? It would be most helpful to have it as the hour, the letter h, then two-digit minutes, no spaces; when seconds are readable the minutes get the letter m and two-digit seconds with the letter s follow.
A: 11h16
